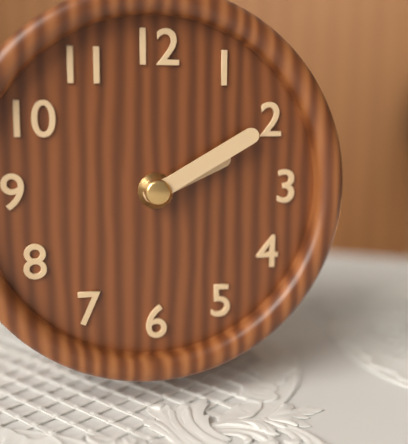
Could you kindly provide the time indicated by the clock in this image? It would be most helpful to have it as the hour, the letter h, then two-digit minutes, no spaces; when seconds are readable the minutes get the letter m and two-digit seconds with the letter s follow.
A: 2h10
